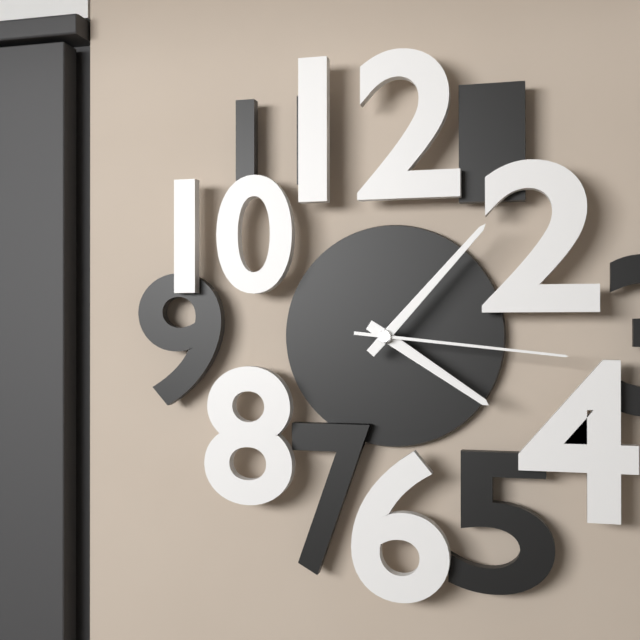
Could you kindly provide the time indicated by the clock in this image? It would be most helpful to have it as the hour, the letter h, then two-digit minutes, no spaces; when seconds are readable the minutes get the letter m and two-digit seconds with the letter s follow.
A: 4h07m16s
